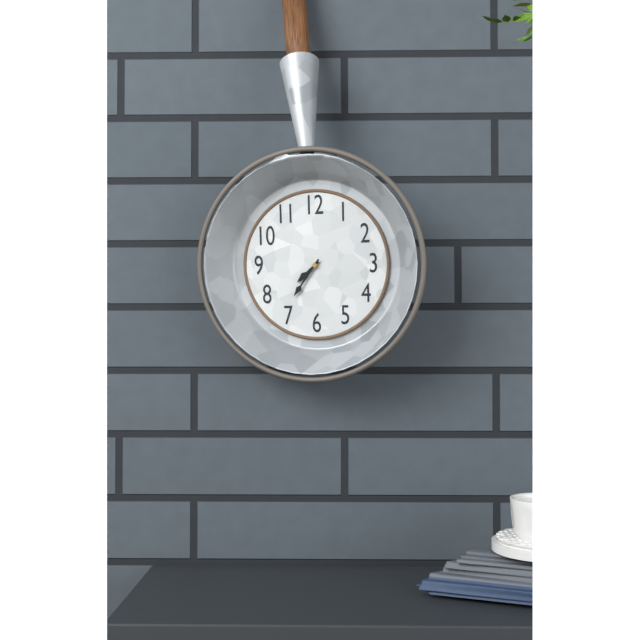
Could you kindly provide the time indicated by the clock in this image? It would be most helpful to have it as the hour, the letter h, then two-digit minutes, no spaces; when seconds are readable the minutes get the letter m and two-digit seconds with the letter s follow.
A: 7h36
